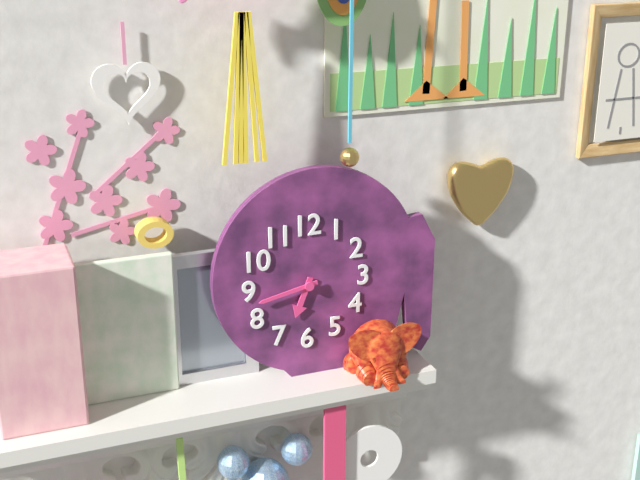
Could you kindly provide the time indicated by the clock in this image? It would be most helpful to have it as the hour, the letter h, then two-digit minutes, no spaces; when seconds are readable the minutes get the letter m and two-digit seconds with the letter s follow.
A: 6h43
